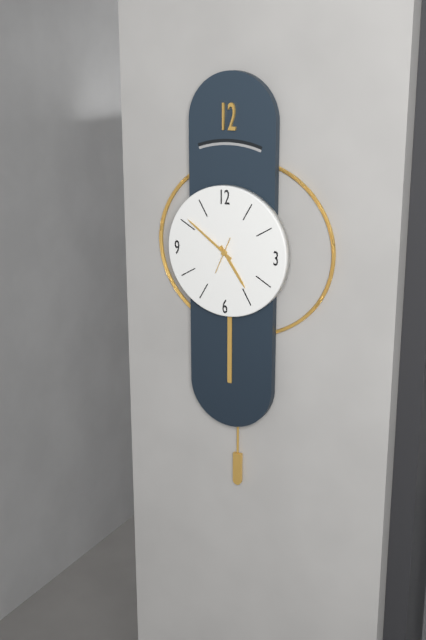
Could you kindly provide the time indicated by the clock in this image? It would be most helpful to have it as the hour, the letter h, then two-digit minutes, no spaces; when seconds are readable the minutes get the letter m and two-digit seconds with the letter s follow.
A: 4h51
